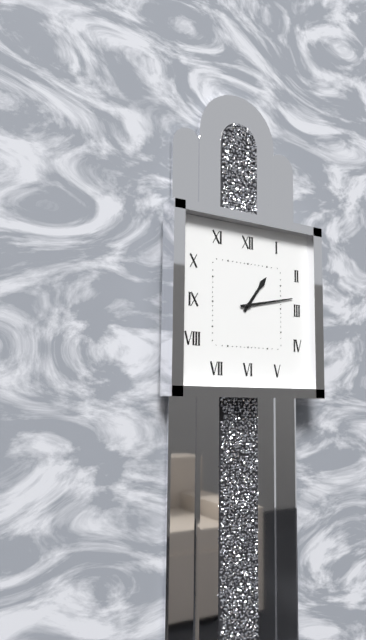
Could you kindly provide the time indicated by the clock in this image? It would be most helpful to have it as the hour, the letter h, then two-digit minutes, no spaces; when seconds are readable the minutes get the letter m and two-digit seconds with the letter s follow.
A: 1h13
